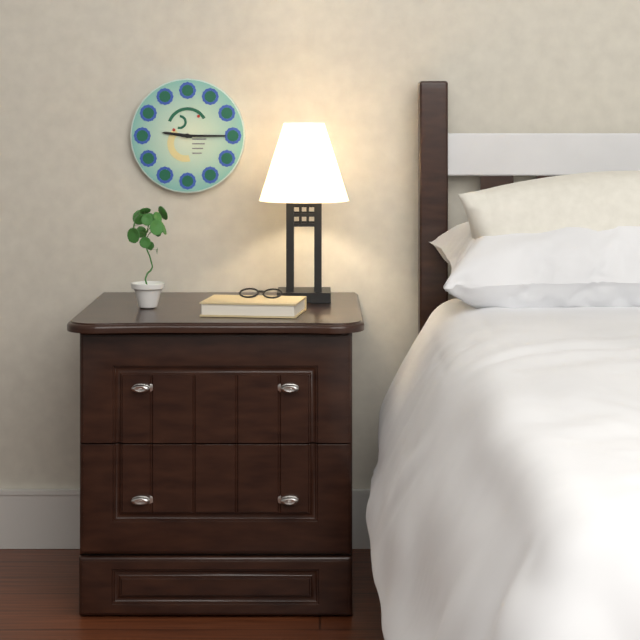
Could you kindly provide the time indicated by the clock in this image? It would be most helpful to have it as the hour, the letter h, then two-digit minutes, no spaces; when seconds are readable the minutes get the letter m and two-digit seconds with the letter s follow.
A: 9h15
